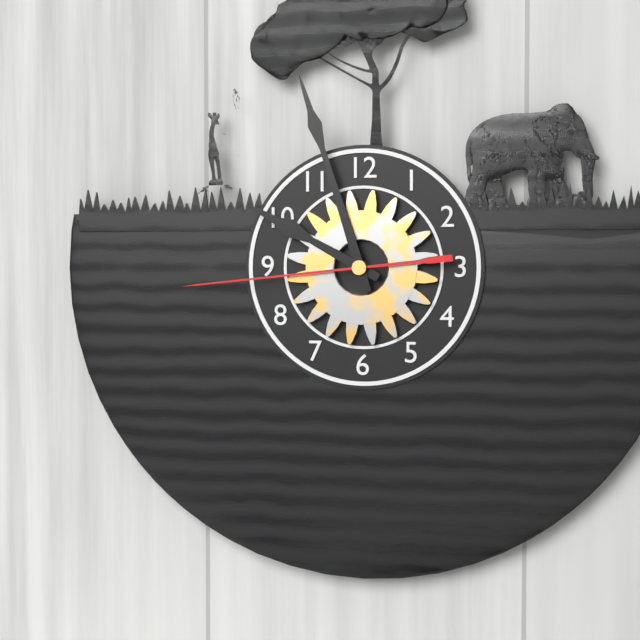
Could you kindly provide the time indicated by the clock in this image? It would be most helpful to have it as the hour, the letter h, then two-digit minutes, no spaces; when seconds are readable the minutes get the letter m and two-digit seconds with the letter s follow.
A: 9h57m44s
